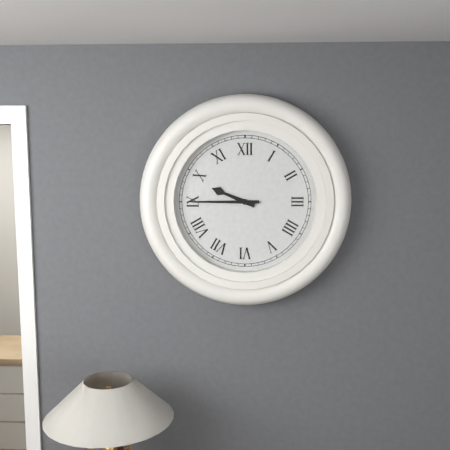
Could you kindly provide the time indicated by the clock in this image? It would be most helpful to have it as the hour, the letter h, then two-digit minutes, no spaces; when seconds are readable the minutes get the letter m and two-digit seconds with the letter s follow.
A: 9h45
